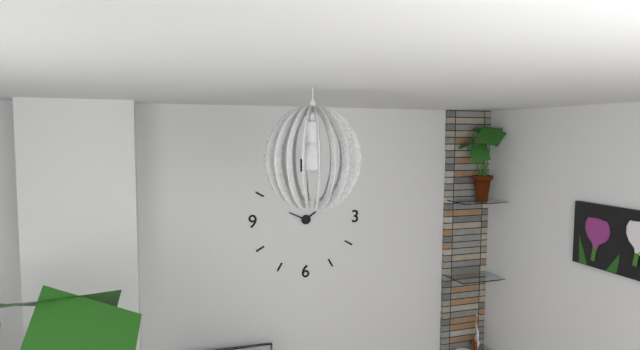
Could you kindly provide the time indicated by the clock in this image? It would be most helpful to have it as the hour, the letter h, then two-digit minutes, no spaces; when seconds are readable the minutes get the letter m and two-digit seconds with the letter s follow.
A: 1h49
